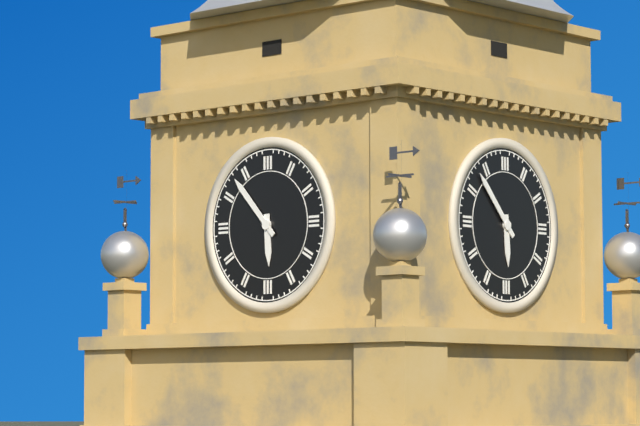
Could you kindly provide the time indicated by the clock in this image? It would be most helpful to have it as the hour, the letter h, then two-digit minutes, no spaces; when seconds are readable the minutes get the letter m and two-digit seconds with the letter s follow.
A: 5h53
